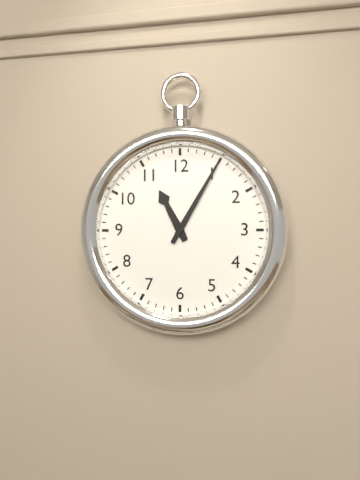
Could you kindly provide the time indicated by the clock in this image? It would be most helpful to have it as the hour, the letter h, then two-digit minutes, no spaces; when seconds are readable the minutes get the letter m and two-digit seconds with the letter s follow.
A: 11h05
